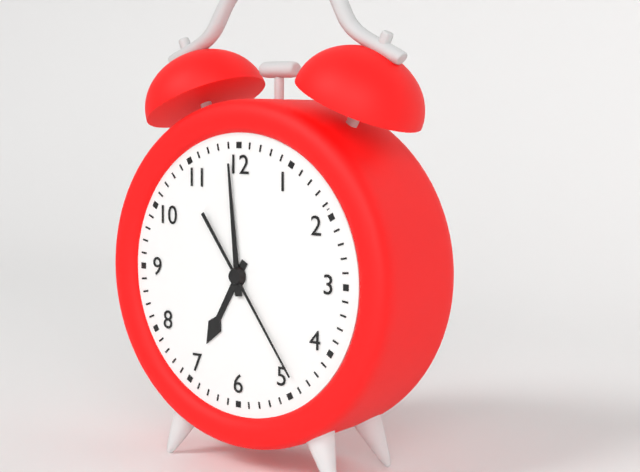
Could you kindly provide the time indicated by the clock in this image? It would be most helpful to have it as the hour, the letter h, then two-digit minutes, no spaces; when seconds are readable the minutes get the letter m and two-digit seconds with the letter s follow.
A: 6h59m24s
